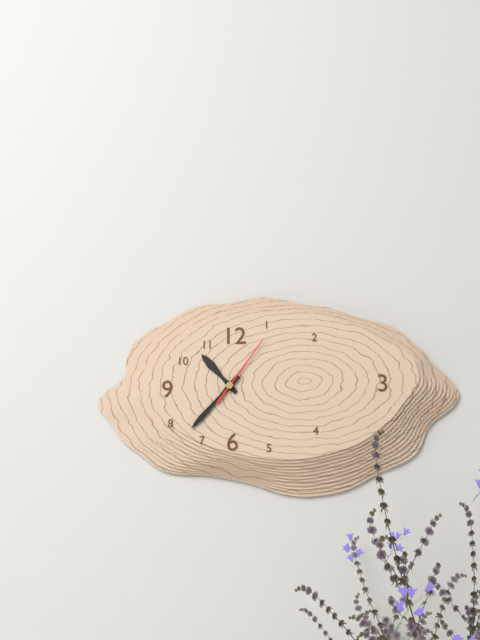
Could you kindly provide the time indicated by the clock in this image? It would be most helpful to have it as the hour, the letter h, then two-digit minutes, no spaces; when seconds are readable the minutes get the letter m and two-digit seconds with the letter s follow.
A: 10h37m06s
